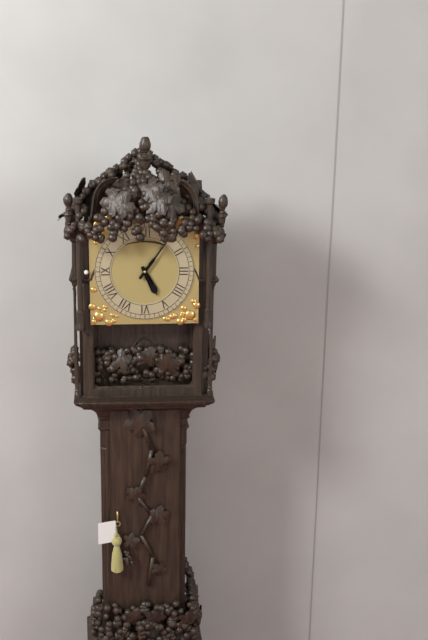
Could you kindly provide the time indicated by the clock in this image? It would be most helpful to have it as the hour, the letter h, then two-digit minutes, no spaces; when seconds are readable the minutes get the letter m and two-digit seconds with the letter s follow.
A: 5h06
